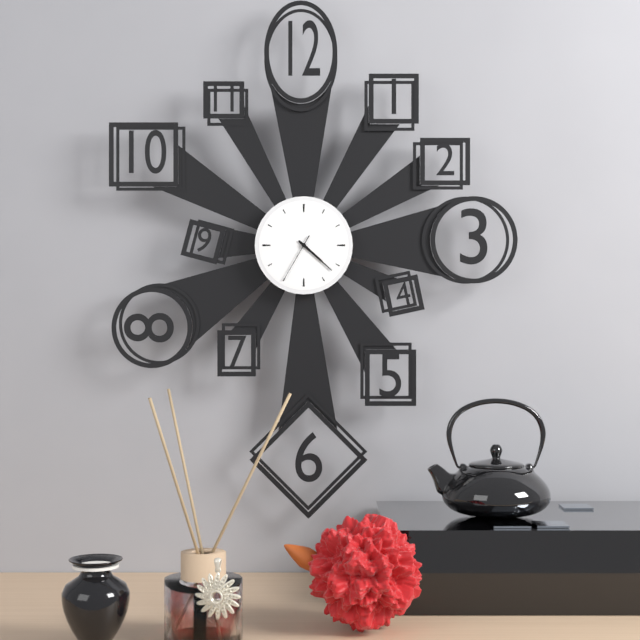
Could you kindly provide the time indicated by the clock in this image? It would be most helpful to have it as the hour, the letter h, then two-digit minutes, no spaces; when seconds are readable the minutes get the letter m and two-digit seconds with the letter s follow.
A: 4h22m35s
